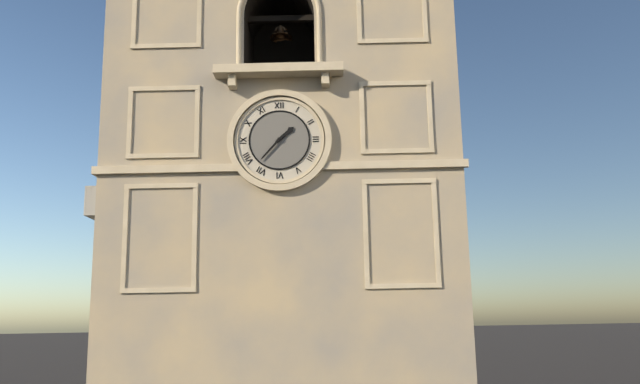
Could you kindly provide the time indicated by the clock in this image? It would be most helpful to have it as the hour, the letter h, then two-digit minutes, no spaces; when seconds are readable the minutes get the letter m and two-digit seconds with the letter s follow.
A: 1h37
